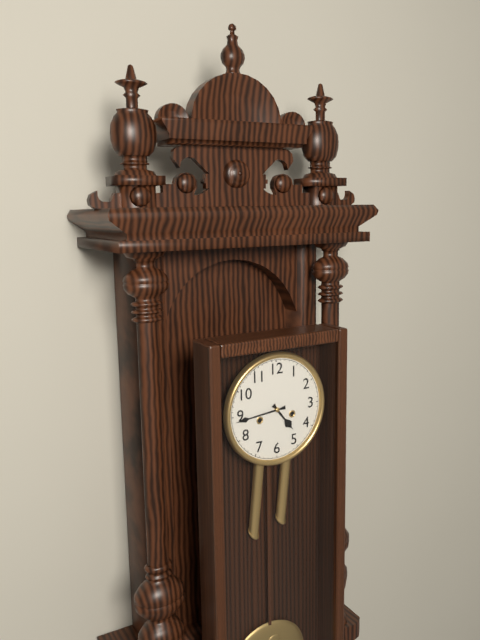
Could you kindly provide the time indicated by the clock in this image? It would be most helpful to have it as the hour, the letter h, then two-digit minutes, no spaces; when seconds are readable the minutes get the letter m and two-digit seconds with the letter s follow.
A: 4h44
